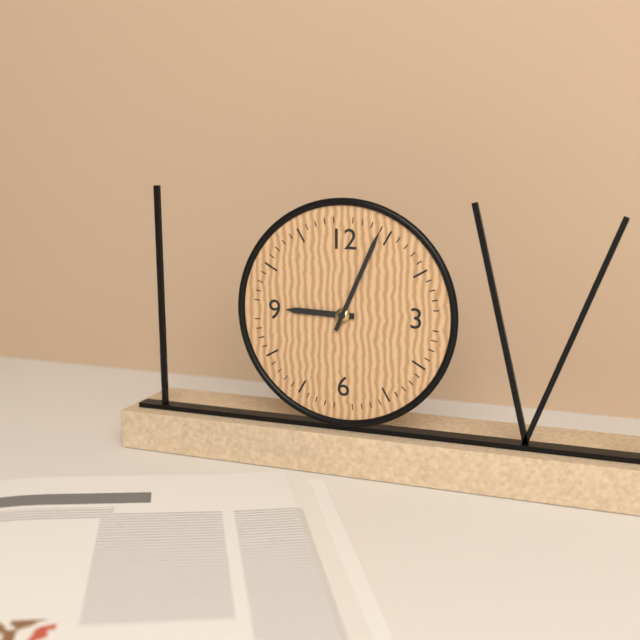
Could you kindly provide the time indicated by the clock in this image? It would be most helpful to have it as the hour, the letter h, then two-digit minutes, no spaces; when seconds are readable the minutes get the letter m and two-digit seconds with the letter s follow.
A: 9h04
